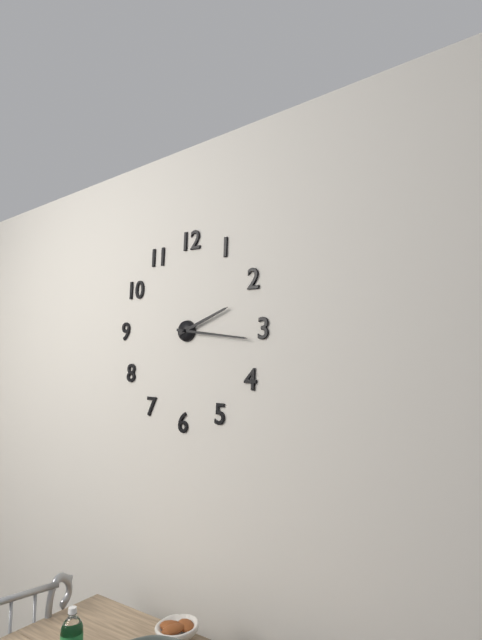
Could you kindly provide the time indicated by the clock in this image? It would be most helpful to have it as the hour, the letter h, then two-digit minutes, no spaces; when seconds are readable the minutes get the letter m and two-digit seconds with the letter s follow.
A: 2h16
